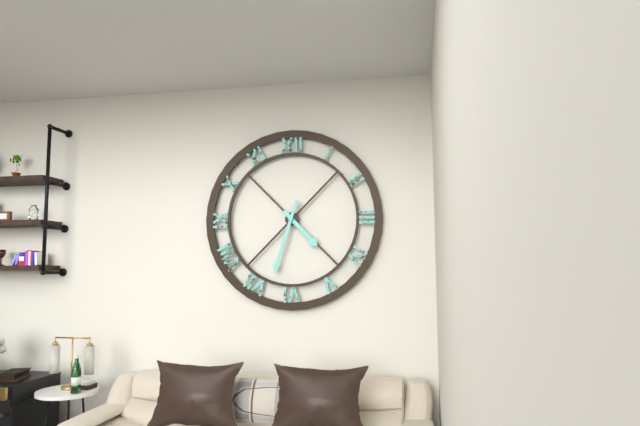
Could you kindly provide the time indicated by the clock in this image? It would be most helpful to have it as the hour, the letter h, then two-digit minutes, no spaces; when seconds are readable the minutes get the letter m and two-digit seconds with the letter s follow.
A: 4h33
